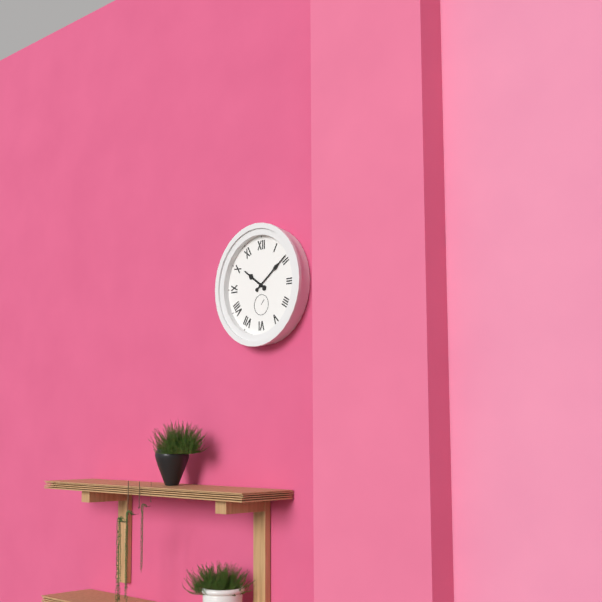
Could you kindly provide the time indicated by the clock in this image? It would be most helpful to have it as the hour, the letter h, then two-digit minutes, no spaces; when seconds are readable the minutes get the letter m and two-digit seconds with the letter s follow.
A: 10h09
